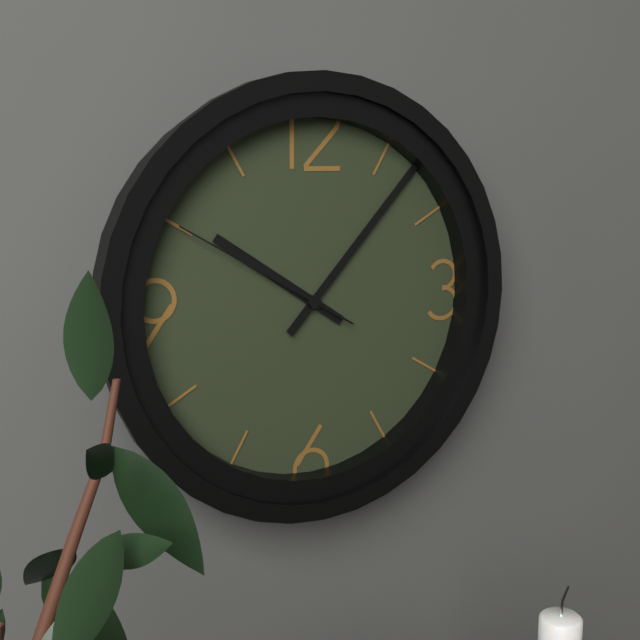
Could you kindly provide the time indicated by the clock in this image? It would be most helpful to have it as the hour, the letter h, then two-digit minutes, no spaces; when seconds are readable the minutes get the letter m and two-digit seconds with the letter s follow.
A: 10h07m50s
